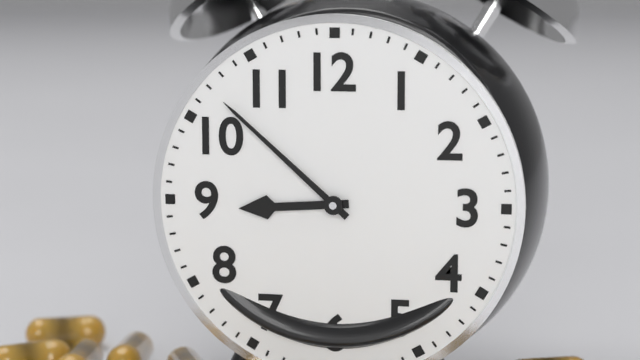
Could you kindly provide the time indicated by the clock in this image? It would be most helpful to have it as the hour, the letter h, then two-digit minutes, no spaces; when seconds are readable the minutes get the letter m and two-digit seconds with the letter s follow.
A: 8h52
